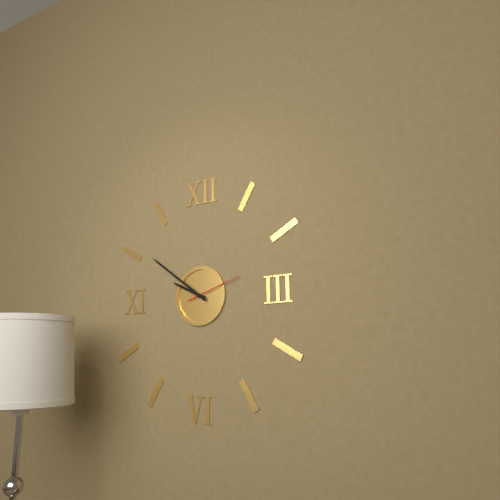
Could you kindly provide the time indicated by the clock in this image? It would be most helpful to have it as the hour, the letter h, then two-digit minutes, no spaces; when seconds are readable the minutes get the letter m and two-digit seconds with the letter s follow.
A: 9h51m12s
